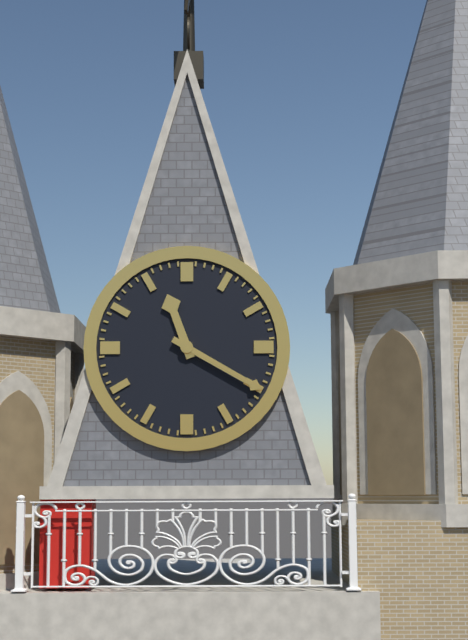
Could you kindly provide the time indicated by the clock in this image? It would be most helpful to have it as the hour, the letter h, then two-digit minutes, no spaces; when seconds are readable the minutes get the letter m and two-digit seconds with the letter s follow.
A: 11h20
